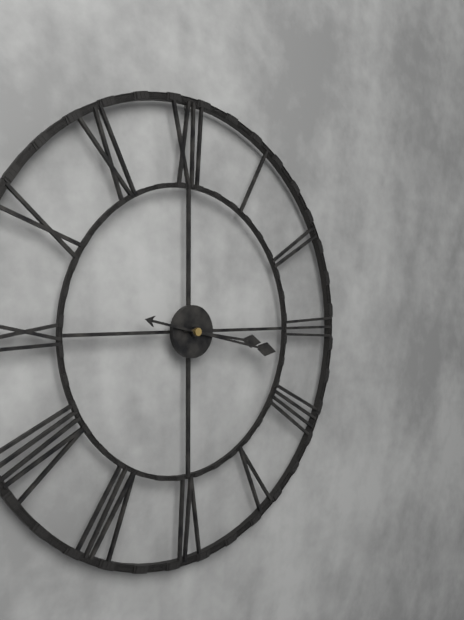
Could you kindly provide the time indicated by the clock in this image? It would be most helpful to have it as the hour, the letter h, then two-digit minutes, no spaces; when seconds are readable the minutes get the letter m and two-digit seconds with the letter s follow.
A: 3h17
